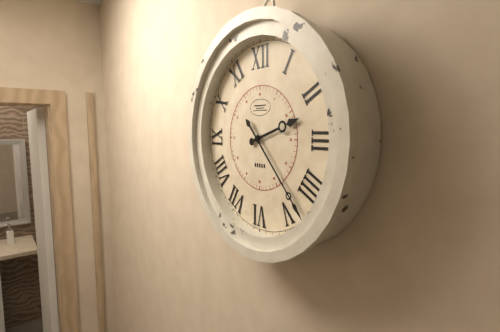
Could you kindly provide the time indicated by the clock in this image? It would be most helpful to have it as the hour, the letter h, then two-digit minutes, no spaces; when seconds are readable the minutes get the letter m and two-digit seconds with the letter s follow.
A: 2h23
